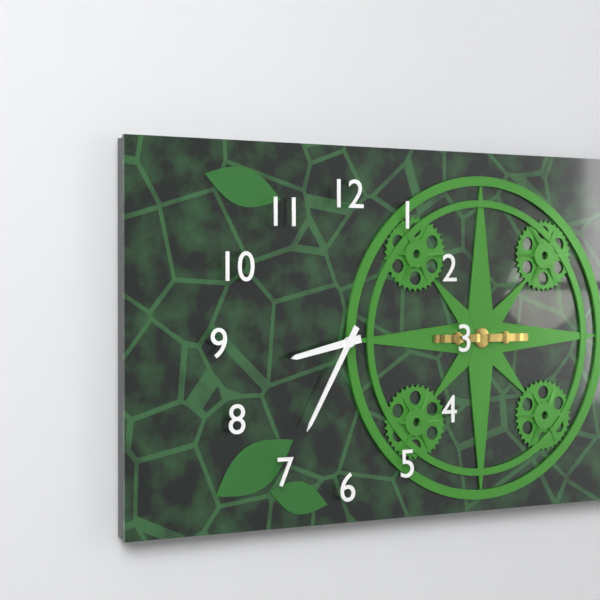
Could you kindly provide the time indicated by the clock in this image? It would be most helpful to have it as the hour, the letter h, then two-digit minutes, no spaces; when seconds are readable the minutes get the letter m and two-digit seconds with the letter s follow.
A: 8h35
